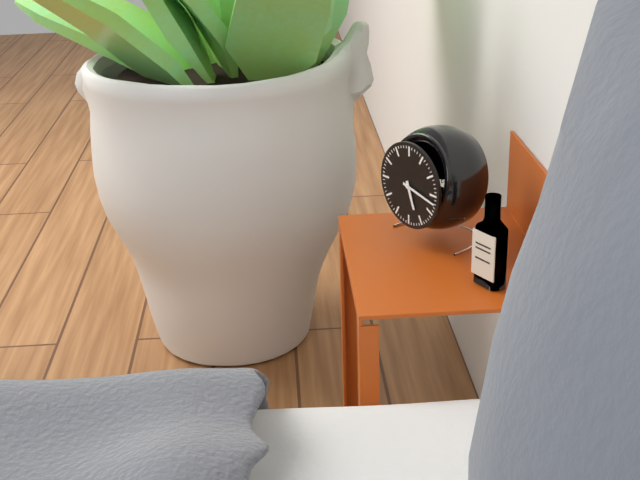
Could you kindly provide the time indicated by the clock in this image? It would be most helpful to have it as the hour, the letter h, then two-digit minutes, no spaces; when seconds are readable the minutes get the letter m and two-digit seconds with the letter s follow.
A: 5h17
